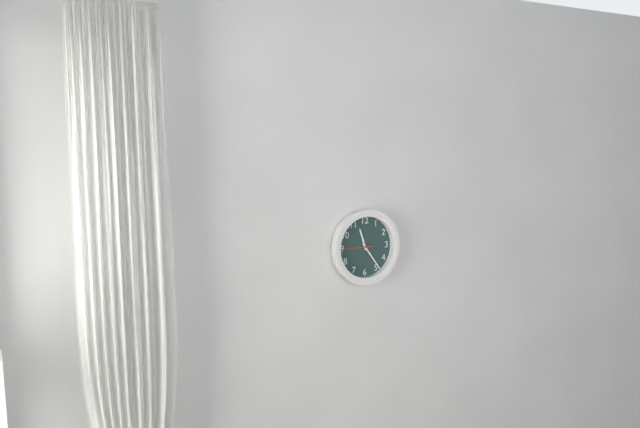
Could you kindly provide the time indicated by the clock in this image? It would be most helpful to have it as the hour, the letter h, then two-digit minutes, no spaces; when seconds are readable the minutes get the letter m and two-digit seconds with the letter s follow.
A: 11h24
